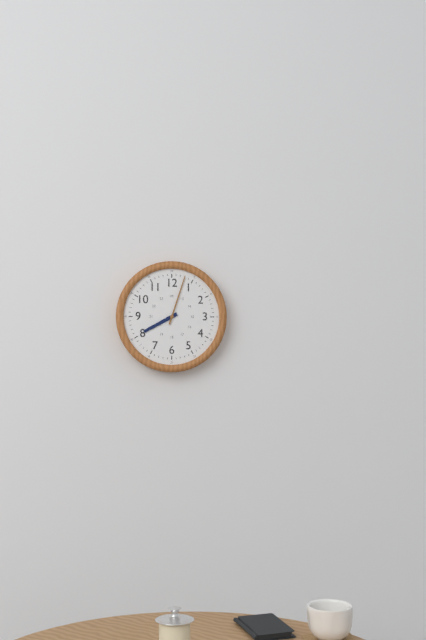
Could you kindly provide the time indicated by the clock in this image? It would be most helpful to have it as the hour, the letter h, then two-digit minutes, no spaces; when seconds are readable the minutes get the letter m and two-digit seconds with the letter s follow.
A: 8h03
